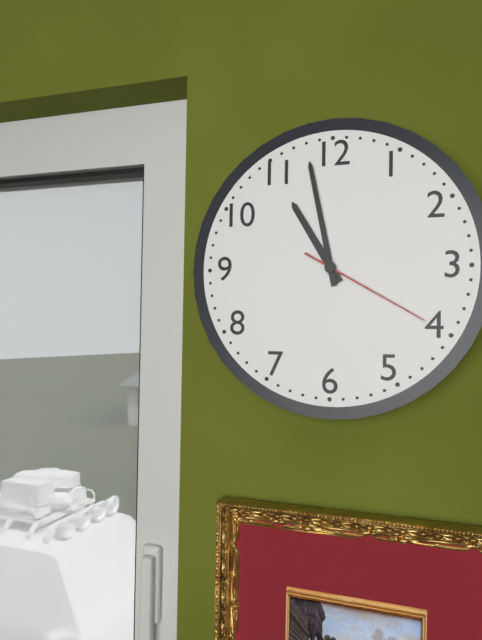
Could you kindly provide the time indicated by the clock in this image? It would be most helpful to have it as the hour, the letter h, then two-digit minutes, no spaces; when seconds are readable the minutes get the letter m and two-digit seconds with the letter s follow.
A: 10h58m20s
